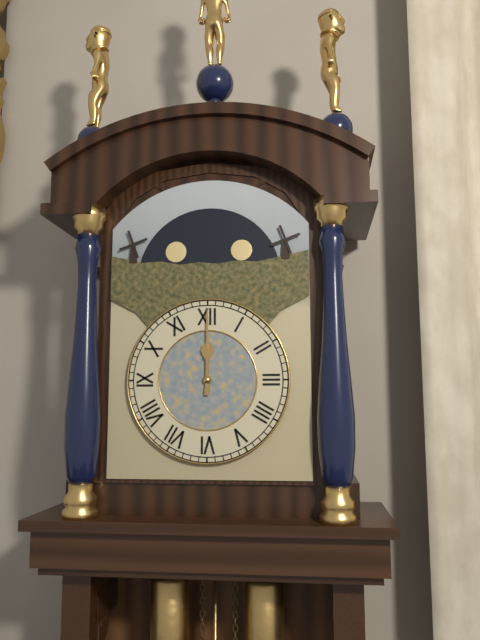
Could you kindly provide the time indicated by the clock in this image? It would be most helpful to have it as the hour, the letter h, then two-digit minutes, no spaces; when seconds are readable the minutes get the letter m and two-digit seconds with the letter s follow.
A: 12h00
